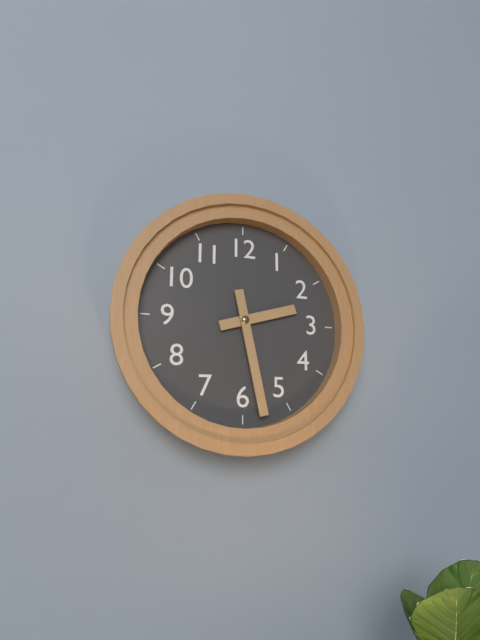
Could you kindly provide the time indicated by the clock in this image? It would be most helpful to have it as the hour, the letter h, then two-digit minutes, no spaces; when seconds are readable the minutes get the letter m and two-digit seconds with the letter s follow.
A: 2h28
